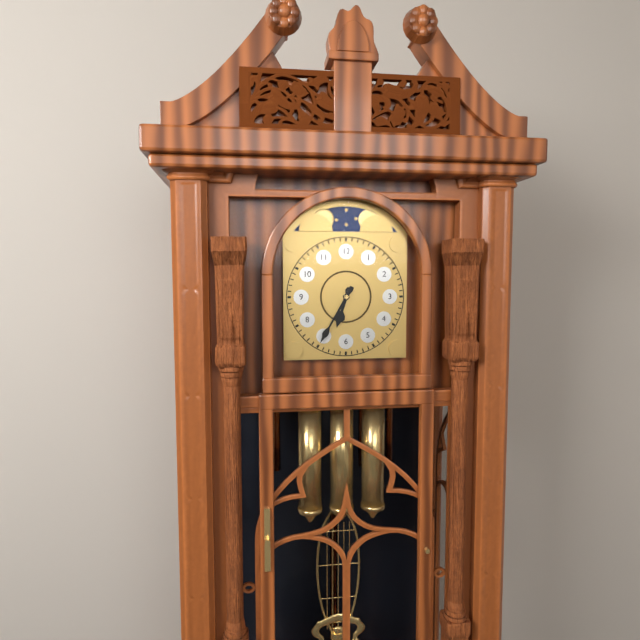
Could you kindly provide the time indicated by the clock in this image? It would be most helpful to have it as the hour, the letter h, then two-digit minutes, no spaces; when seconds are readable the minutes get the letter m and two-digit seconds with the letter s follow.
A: 6h35
